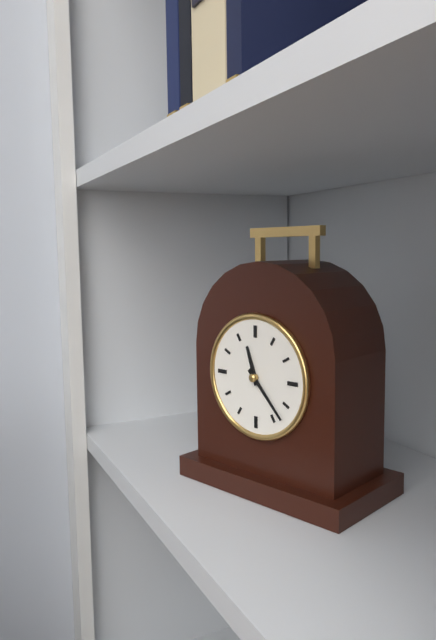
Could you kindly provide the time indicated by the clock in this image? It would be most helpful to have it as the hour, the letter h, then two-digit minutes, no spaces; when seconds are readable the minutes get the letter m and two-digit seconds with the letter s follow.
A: 11h23
